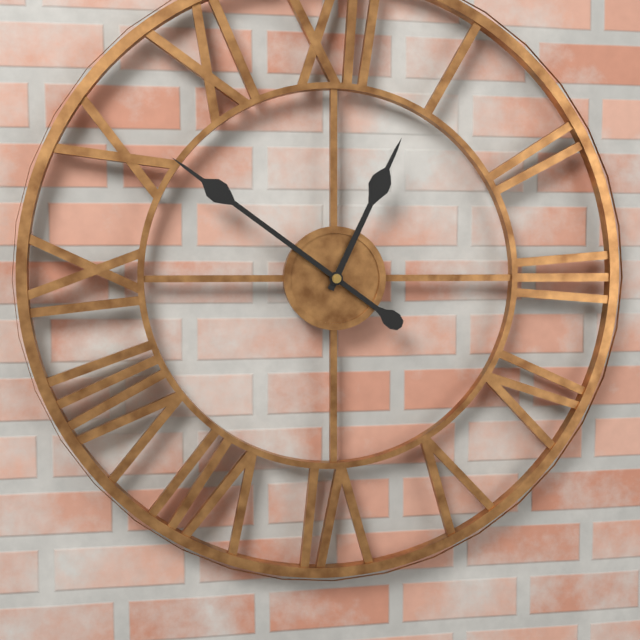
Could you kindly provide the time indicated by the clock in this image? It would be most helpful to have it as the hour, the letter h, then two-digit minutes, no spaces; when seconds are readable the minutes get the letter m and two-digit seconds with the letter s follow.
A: 12h51
